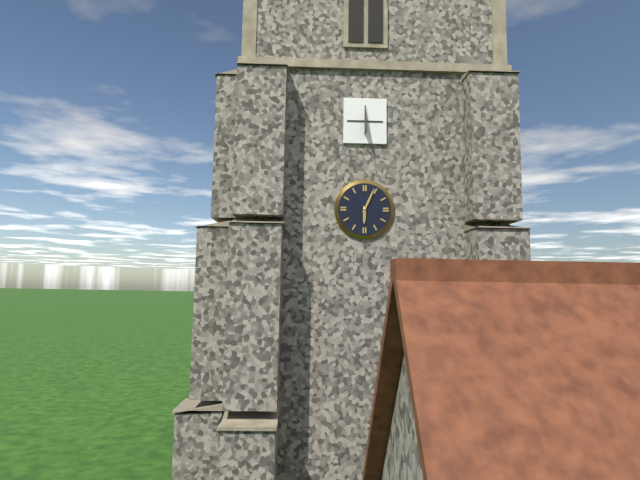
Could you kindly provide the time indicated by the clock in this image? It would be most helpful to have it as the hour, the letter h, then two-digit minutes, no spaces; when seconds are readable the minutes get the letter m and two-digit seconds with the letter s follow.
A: 6h04
